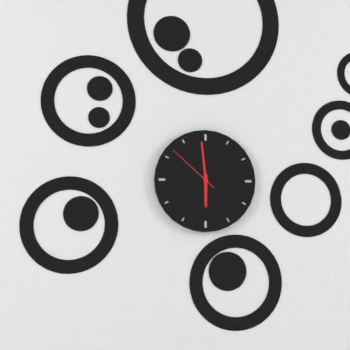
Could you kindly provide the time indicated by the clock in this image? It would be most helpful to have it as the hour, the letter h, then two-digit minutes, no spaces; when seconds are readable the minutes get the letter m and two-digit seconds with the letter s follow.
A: 5h59m52s
